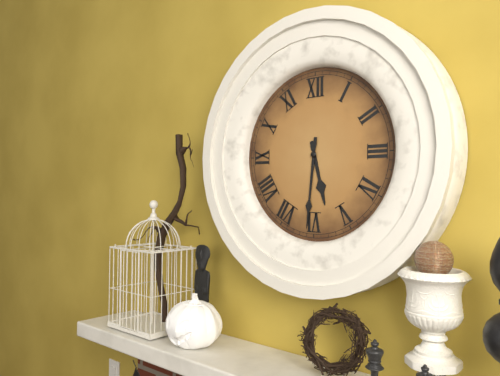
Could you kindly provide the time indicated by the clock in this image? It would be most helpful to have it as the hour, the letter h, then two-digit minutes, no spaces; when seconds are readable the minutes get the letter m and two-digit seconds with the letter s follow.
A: 5h31
